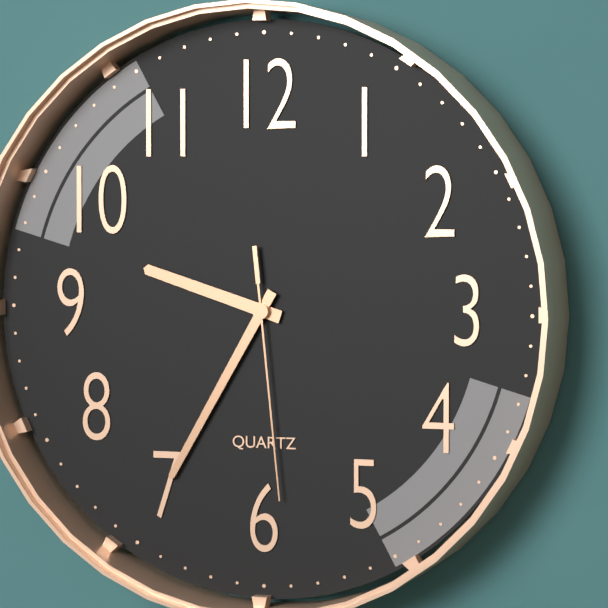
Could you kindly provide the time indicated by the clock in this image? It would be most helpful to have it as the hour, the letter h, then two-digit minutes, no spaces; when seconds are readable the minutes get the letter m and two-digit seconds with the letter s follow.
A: 9h35m29s
